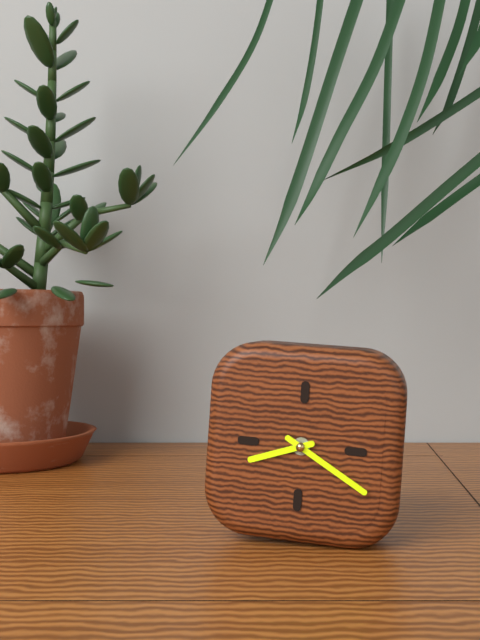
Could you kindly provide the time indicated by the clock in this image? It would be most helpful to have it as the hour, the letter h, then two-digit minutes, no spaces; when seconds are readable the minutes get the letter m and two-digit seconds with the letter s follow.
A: 8h20
